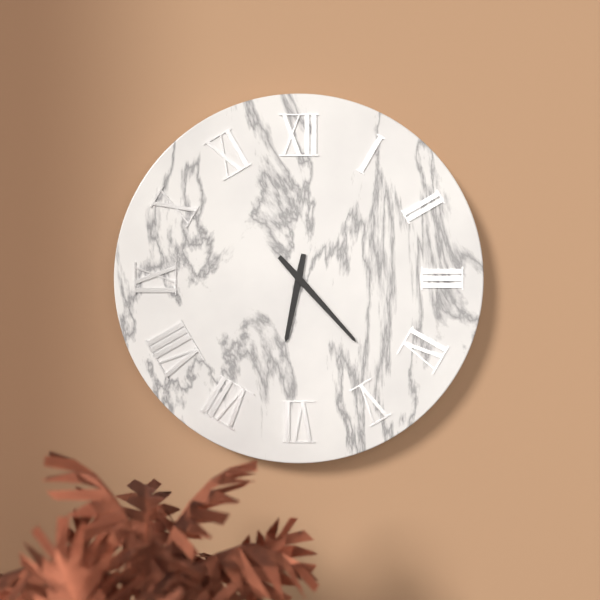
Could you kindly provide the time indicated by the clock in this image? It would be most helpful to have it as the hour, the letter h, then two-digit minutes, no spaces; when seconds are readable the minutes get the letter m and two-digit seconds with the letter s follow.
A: 6h23
